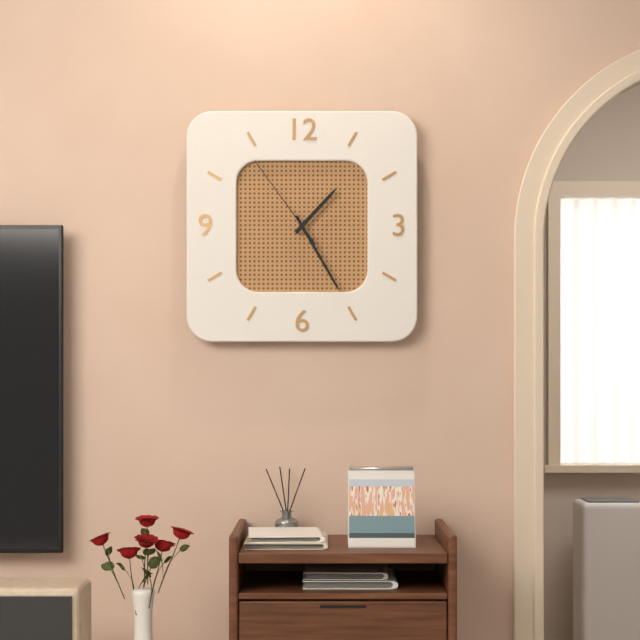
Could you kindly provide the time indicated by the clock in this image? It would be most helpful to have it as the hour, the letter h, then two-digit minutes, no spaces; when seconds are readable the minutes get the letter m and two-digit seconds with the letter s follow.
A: 1h25m54s
